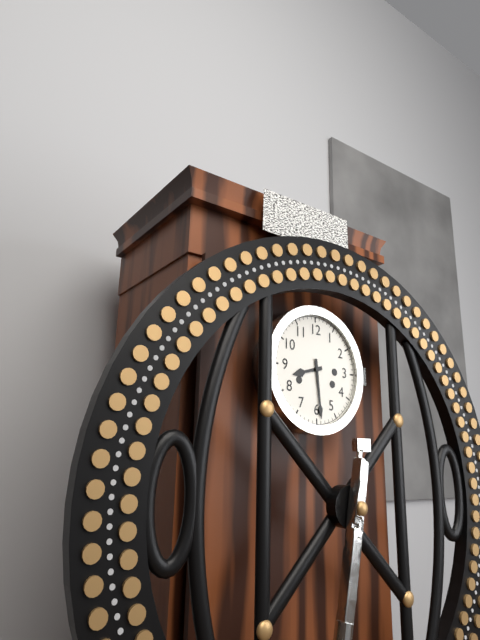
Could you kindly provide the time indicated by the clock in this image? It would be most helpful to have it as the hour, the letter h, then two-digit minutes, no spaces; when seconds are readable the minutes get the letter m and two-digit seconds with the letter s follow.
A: 8h29
